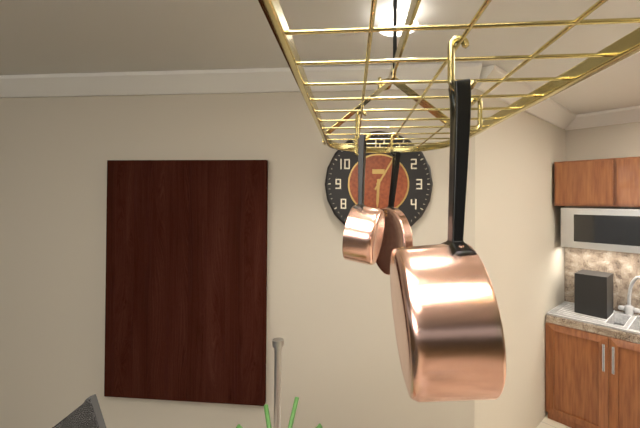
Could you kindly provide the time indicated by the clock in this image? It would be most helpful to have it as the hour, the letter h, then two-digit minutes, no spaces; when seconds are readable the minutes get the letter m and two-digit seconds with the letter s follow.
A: 6h05
